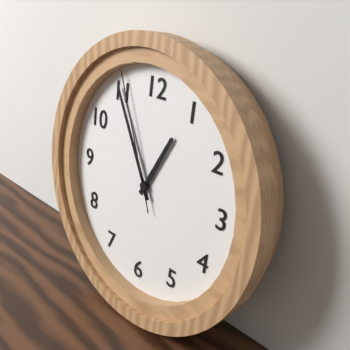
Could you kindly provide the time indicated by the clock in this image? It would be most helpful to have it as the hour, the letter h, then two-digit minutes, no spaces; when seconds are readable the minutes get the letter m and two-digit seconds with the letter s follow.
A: 12h55m56s
